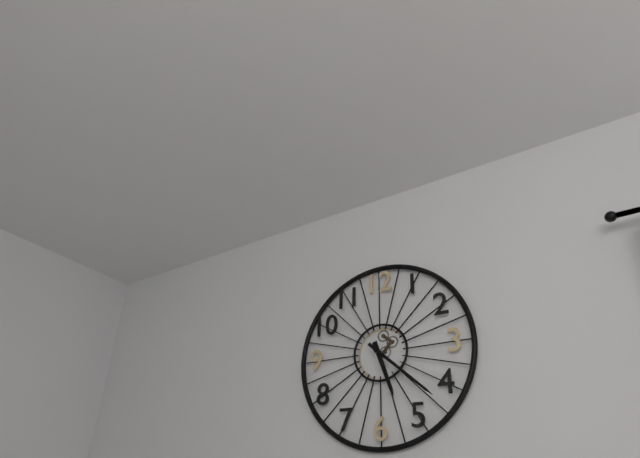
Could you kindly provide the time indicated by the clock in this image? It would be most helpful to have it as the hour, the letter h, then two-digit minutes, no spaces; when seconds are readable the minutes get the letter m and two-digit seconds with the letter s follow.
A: 5h22
